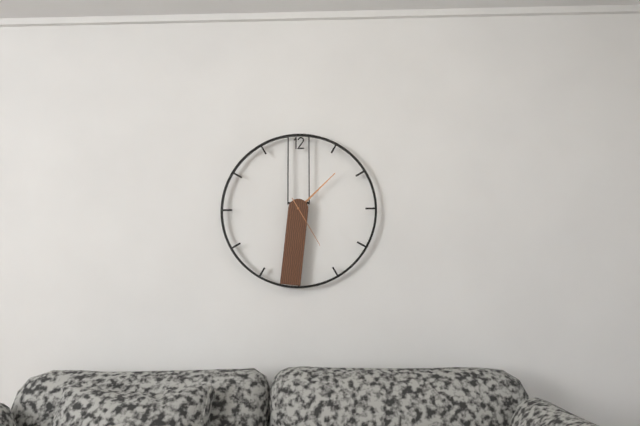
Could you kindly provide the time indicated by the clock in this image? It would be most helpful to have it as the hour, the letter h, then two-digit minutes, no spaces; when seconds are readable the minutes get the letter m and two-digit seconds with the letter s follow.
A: 1h31m25s
